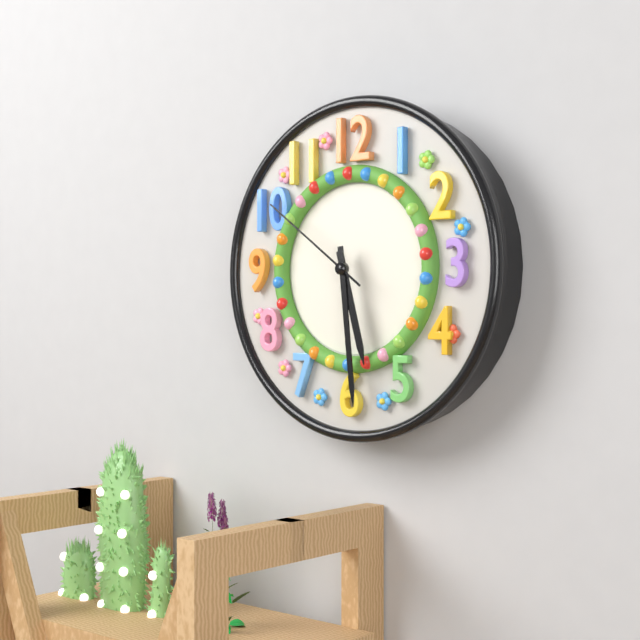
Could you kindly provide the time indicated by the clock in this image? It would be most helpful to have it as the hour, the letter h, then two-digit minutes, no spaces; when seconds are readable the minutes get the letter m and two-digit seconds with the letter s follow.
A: 5h29m51s
